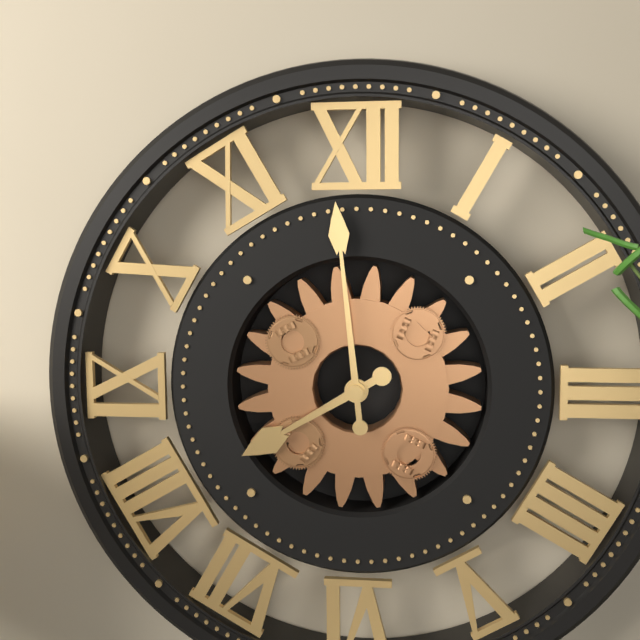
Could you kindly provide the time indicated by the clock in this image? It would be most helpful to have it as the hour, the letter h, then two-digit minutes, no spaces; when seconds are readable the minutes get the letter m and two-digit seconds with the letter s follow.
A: 7h59
